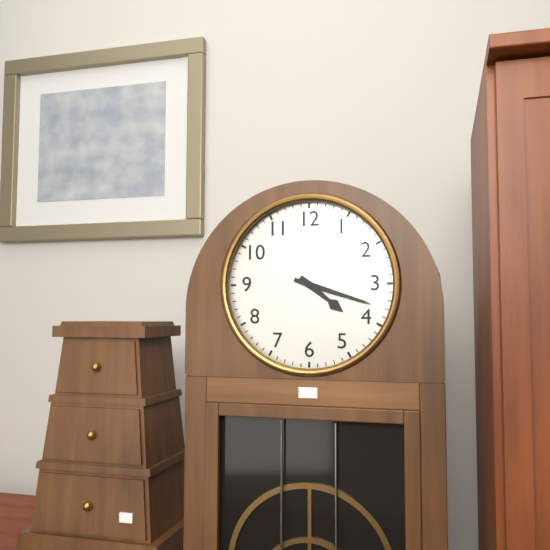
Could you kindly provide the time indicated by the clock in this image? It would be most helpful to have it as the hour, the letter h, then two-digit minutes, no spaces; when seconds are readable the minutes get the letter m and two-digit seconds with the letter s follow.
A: 4h18
